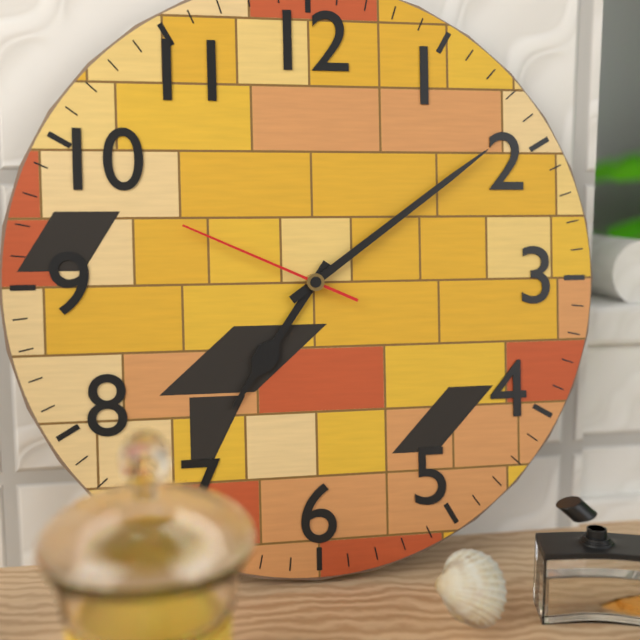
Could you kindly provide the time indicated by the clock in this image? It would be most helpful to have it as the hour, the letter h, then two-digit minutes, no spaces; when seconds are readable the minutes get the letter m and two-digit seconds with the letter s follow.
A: 7h09m49s
